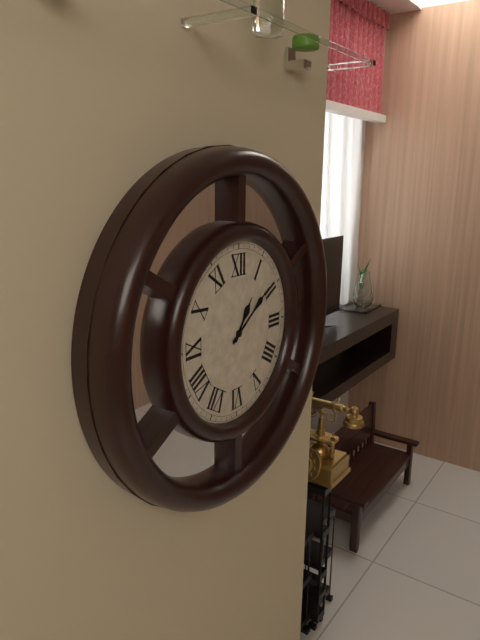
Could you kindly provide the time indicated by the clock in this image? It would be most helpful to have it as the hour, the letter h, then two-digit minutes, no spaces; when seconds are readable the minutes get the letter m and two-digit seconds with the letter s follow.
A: 1h09
